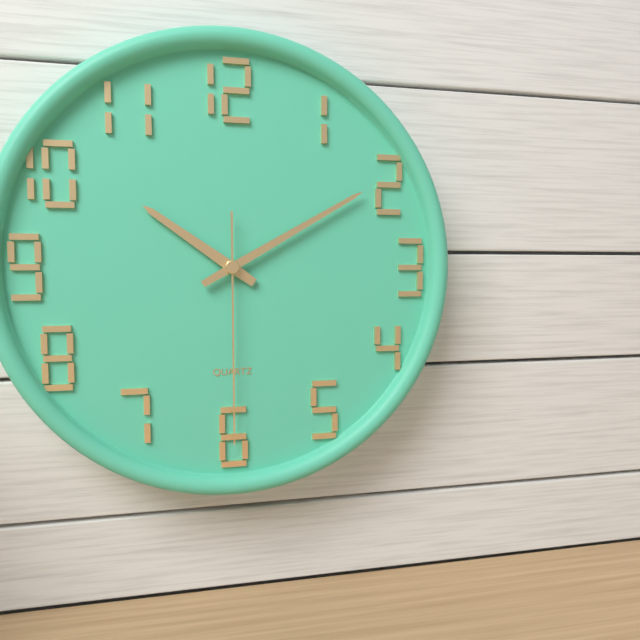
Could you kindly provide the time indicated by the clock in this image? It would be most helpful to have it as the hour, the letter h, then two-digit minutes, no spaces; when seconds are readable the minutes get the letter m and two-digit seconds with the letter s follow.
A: 10h10m30s
